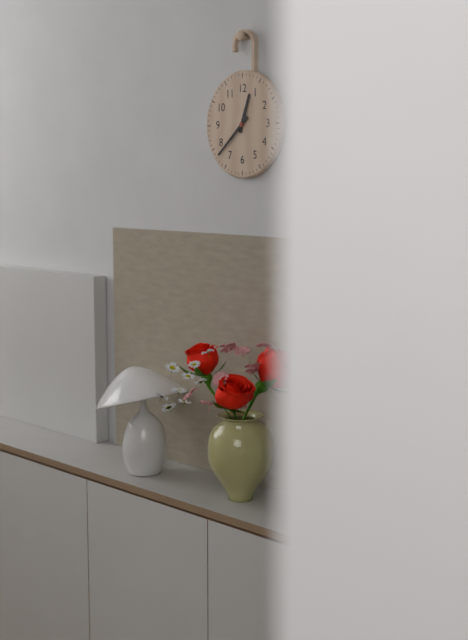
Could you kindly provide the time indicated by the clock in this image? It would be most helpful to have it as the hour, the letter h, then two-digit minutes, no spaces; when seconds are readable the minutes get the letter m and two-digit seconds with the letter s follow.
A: 12h38
